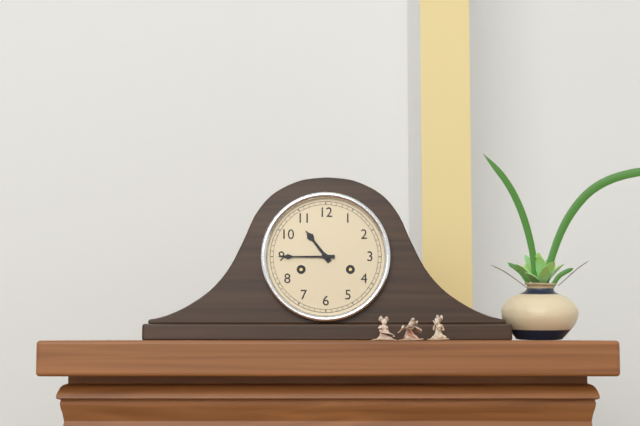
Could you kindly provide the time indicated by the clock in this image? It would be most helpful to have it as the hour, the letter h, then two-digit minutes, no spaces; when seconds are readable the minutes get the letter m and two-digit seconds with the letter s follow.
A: 10h45
